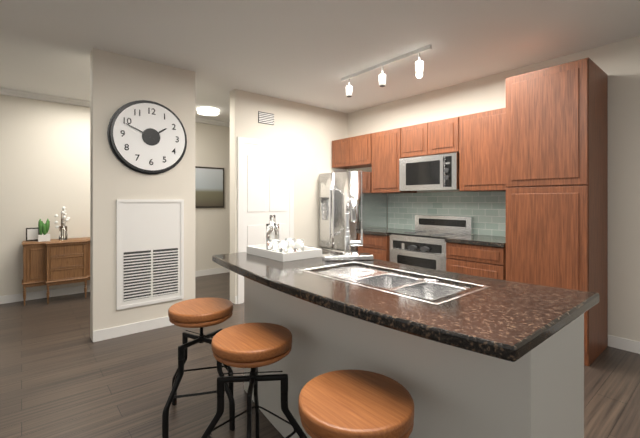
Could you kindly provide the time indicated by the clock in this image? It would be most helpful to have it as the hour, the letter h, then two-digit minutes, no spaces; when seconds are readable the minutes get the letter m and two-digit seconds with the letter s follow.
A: 1h49
